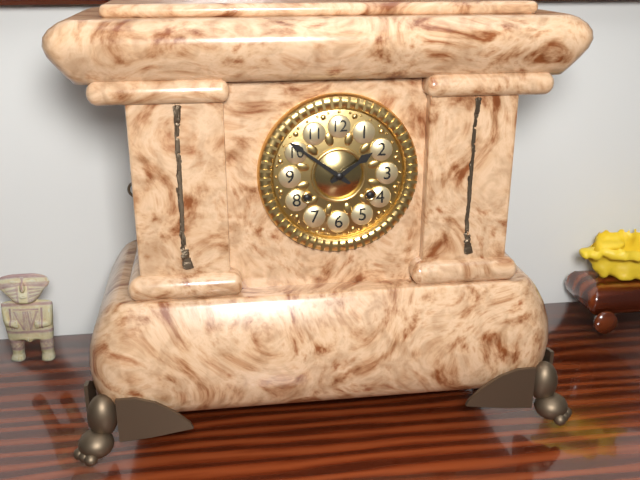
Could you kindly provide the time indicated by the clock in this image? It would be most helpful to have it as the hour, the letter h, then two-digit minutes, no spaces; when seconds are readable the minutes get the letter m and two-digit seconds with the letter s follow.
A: 1h51
